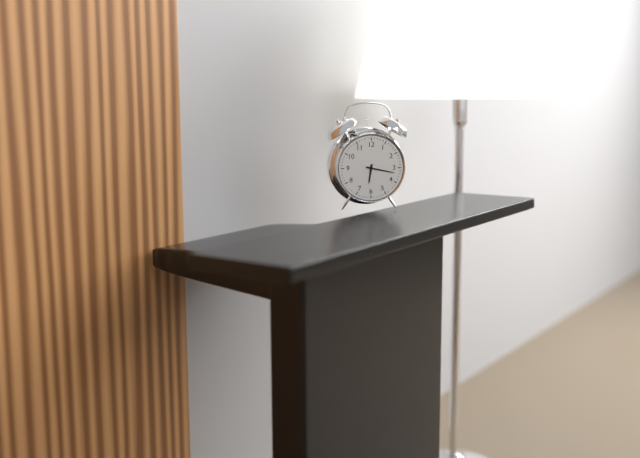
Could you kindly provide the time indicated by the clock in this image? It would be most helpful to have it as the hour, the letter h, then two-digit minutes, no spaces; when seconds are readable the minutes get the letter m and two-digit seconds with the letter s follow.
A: 6h17
